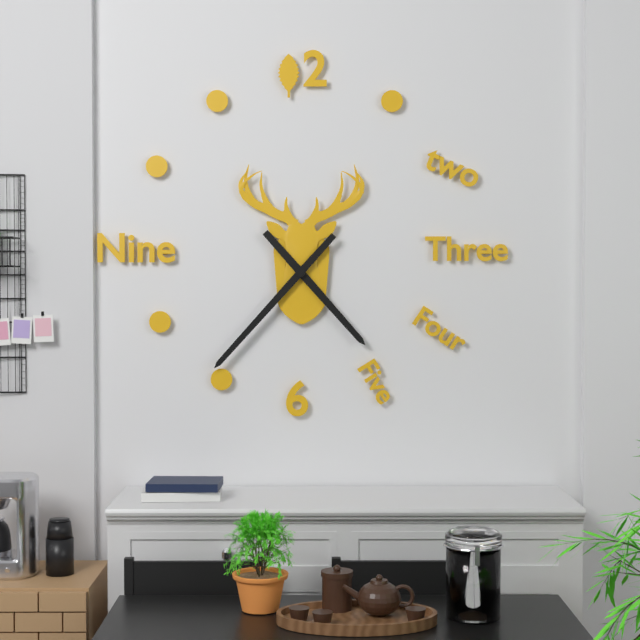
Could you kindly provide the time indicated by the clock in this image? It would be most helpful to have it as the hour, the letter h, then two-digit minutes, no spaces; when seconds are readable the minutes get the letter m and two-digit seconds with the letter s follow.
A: 4h37
